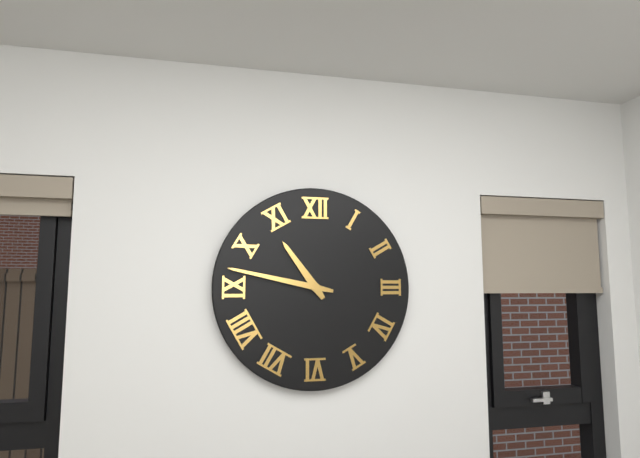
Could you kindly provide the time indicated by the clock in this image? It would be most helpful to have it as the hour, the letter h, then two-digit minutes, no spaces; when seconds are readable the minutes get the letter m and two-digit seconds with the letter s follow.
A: 10h47
